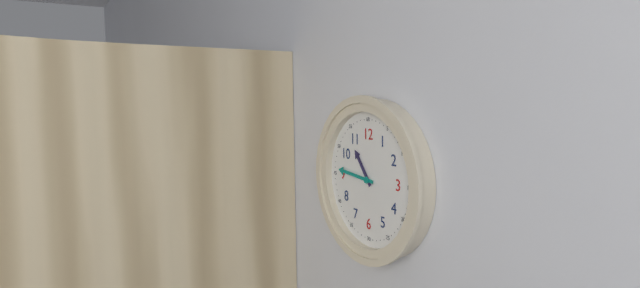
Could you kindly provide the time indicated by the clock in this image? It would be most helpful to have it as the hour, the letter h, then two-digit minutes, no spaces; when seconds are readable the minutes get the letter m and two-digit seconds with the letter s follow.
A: 10h46
